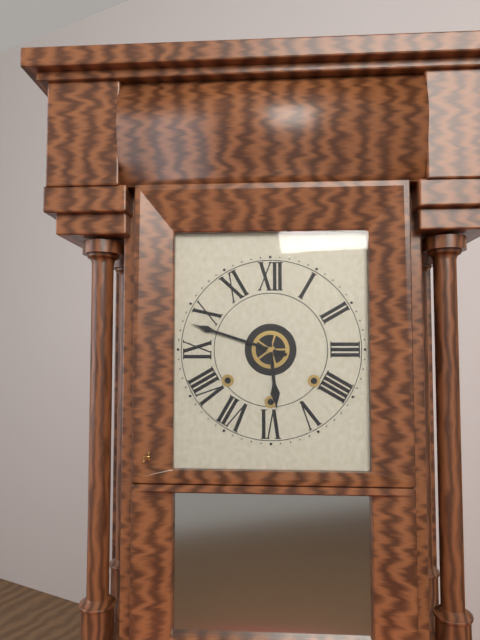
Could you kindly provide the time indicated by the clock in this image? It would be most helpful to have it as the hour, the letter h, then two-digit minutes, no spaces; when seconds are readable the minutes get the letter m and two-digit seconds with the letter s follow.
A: 5h48
